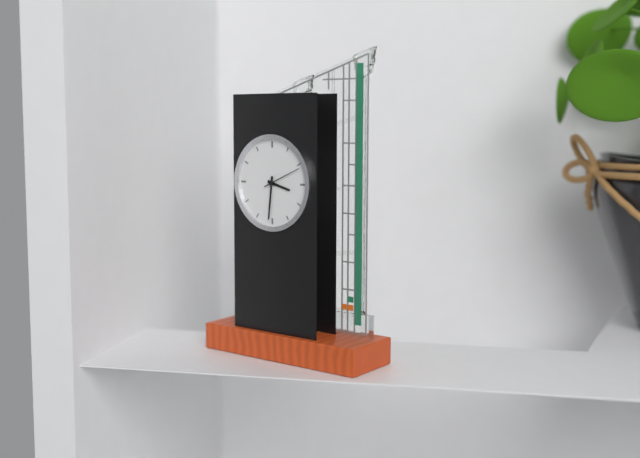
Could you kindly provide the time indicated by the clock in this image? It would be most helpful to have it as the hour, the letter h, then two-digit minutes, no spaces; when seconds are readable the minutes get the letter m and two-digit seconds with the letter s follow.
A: 3h31
